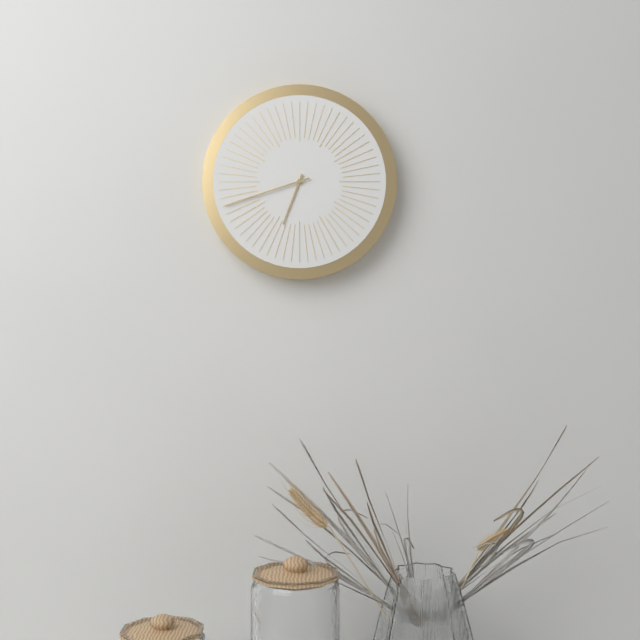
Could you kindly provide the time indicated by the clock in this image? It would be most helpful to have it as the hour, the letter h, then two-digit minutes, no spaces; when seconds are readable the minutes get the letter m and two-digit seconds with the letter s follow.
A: 6h42
